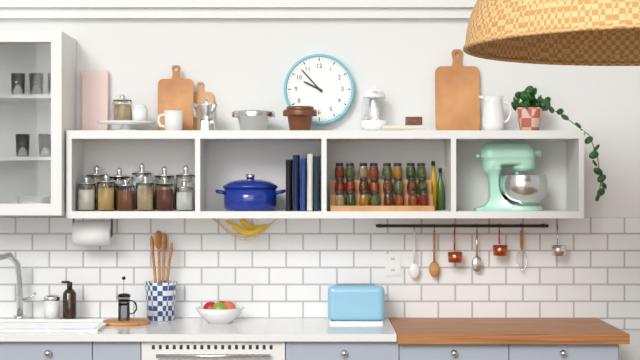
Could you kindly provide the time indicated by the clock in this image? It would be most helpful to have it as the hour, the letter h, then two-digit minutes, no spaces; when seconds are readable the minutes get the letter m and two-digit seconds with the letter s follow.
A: 9h53
